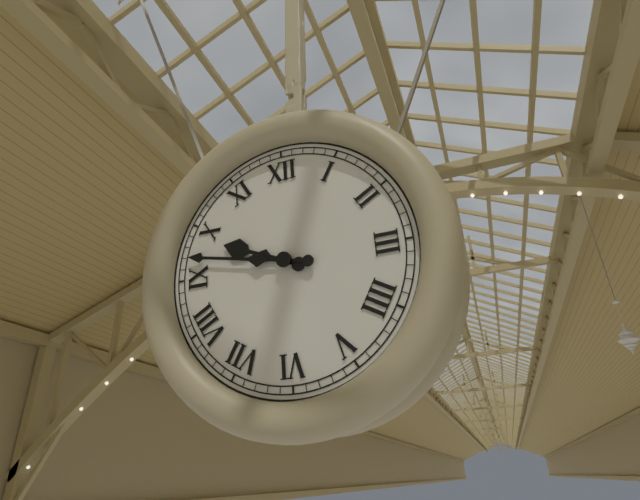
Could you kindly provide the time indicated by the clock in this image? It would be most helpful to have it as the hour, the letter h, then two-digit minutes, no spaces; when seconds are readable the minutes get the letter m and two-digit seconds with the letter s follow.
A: 9h47
